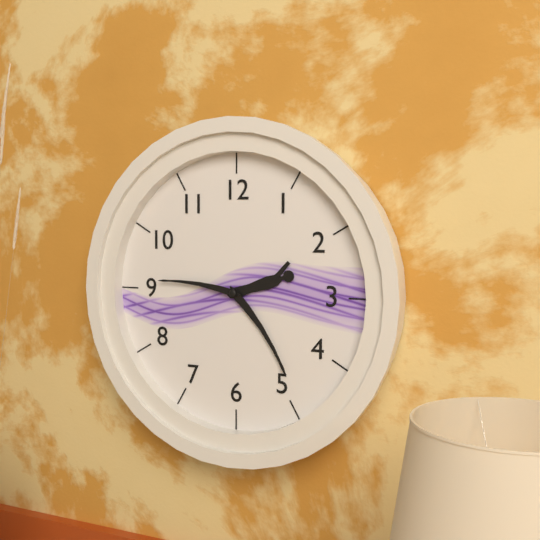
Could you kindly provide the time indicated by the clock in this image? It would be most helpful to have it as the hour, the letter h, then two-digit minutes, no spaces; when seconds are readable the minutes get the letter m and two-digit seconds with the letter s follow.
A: 2h24m46s
